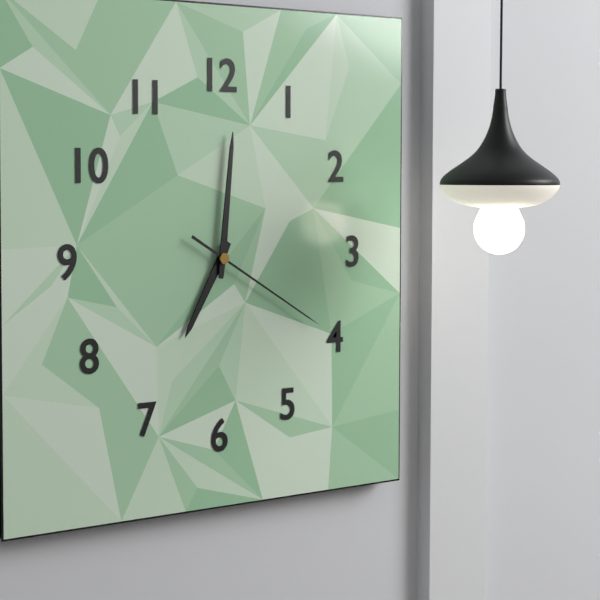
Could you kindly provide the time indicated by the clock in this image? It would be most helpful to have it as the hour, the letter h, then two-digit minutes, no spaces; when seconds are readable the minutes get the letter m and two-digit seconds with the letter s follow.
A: 7h01m20s
